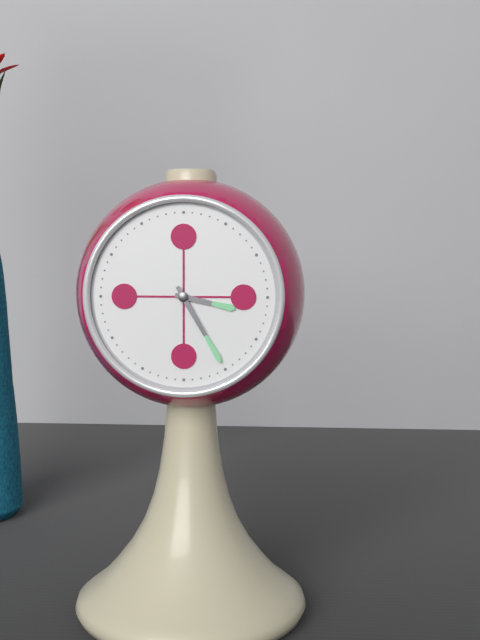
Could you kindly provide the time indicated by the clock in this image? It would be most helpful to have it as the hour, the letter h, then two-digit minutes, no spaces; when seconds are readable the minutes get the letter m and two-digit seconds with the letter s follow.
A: 3h25
